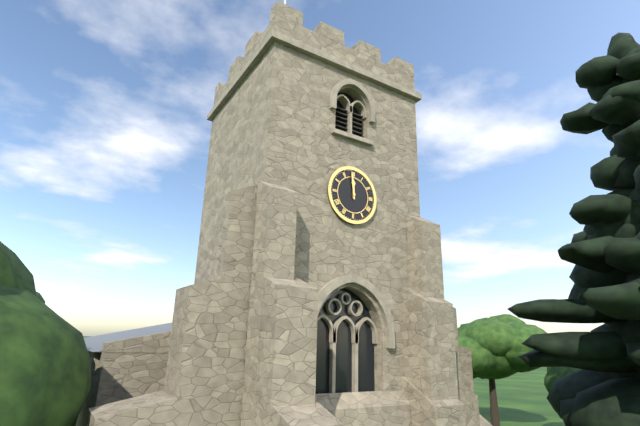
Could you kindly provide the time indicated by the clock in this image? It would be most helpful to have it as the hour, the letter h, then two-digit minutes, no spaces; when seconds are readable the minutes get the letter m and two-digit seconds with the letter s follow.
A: 11h59
